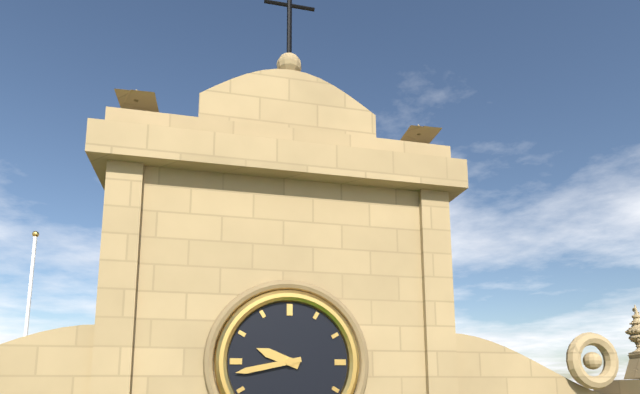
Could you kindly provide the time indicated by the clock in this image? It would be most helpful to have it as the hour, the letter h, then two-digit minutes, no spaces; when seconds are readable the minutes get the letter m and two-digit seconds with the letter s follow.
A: 9h43
